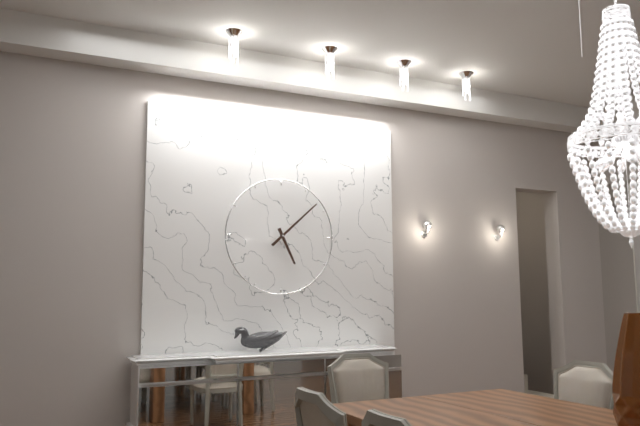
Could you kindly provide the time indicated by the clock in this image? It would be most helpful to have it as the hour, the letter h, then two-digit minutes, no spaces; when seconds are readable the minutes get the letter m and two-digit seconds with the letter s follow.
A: 5h08
